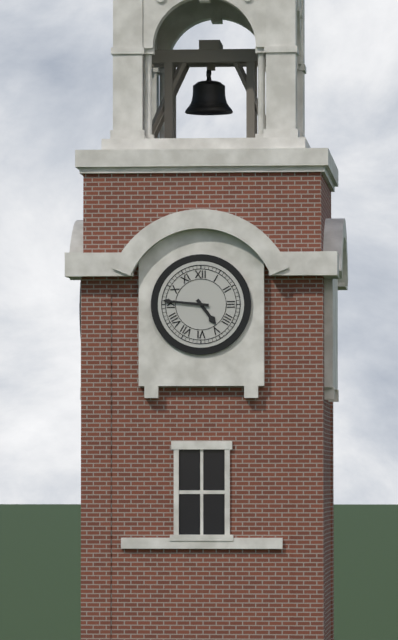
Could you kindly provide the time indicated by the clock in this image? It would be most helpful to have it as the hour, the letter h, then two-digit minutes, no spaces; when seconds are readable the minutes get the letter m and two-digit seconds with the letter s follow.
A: 4h46
